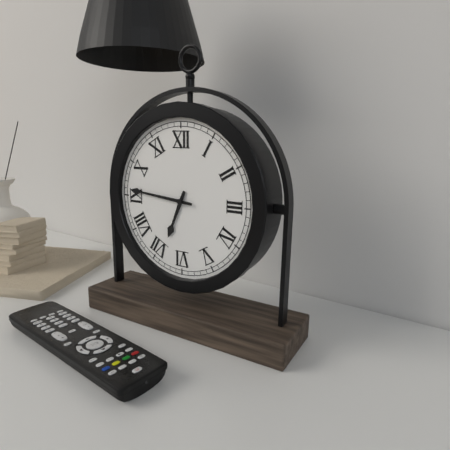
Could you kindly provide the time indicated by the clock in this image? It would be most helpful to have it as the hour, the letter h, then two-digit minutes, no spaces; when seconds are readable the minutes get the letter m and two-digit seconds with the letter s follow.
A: 6h46
